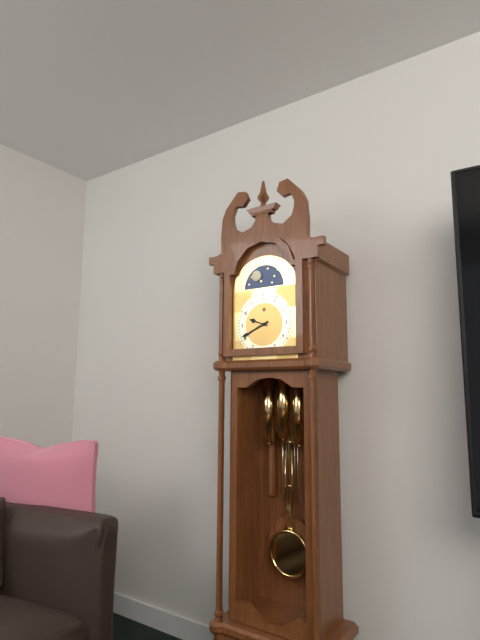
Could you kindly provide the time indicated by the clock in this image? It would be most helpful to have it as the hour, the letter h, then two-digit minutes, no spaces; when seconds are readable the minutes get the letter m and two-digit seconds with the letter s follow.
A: 9h41
